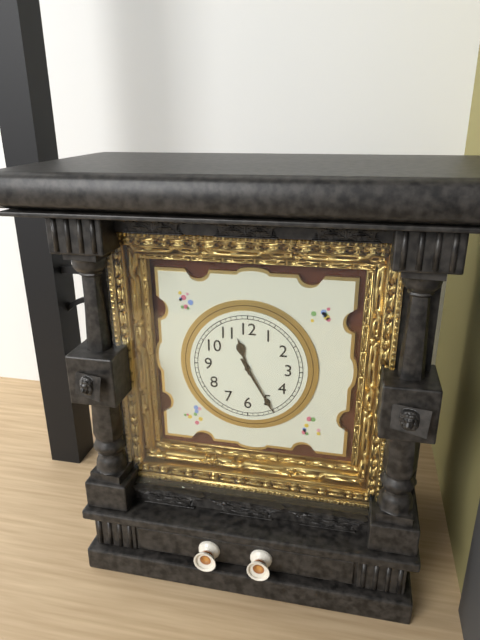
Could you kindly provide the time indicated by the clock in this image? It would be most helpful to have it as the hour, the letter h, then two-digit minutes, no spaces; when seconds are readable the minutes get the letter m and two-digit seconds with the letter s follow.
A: 11h25
